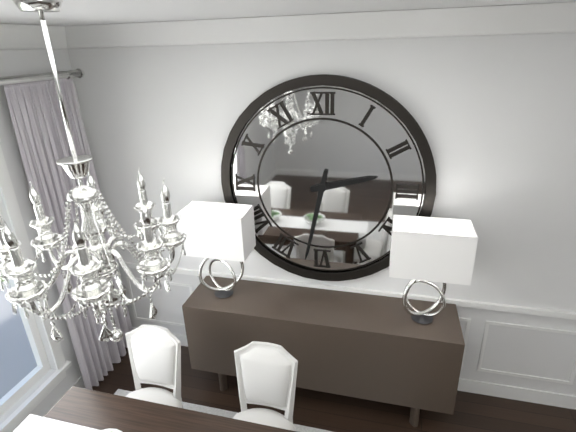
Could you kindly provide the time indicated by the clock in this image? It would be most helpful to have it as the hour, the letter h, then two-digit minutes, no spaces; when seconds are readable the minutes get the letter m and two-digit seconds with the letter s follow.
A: 2h32
